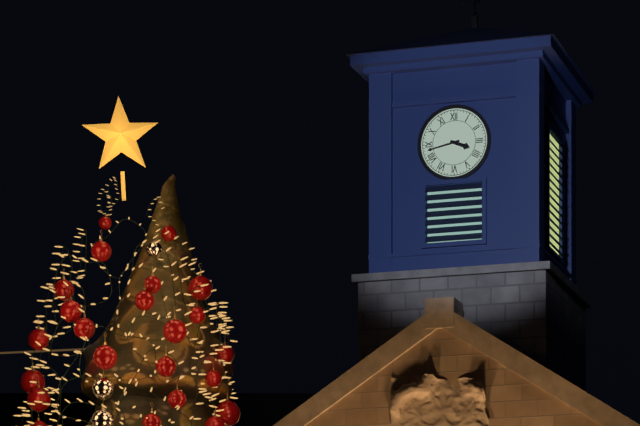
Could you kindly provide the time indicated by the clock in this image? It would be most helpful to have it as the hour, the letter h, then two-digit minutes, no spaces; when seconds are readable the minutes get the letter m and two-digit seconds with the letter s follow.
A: 3h43
